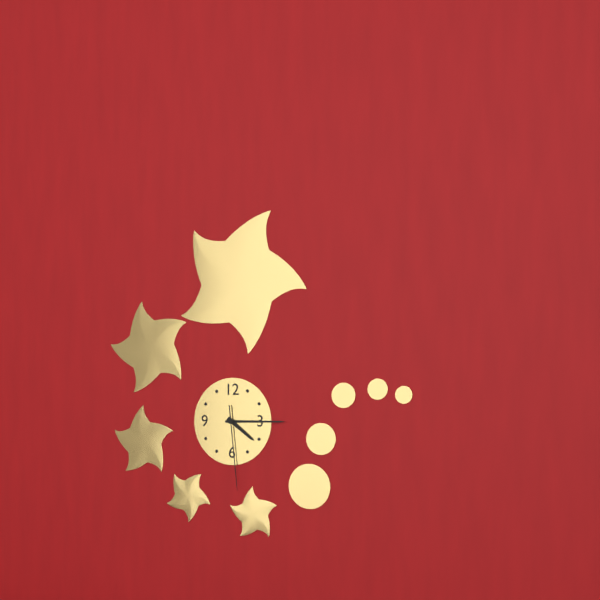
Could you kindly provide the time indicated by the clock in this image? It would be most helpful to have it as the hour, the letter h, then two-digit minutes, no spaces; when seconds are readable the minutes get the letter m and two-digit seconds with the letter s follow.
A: 4h15m29s
